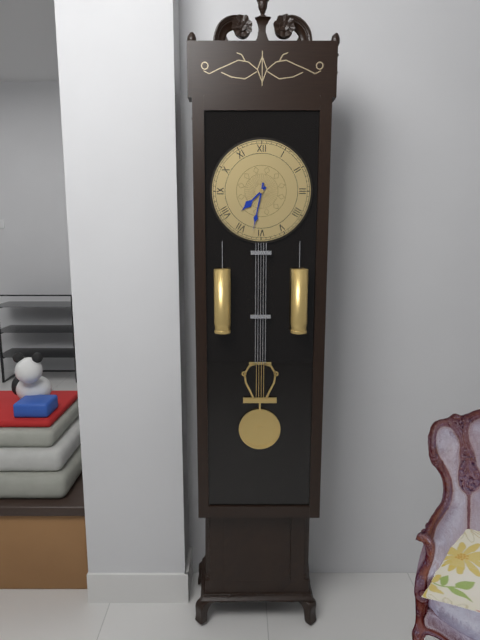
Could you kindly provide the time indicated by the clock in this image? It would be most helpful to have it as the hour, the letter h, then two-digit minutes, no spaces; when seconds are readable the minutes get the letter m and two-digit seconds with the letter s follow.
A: 7h32
